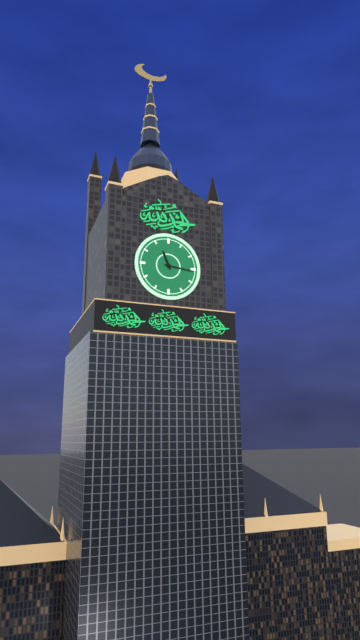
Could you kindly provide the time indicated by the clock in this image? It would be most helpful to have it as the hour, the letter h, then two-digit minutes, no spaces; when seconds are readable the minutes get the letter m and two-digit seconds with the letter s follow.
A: 11h16
